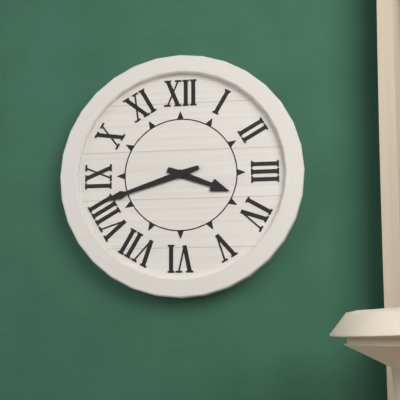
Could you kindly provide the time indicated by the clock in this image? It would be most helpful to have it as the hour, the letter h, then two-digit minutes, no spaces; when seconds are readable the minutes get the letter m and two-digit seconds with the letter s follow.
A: 3h42
